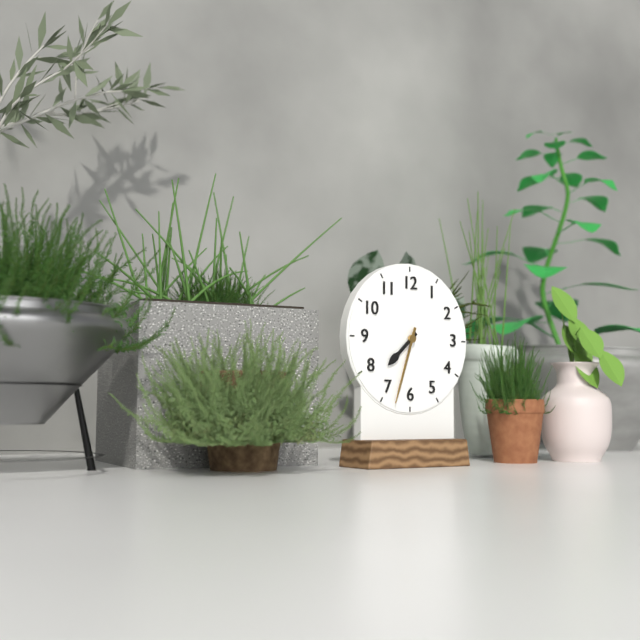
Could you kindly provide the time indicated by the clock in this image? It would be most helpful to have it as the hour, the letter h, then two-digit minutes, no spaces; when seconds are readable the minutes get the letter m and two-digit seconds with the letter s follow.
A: 7h33
